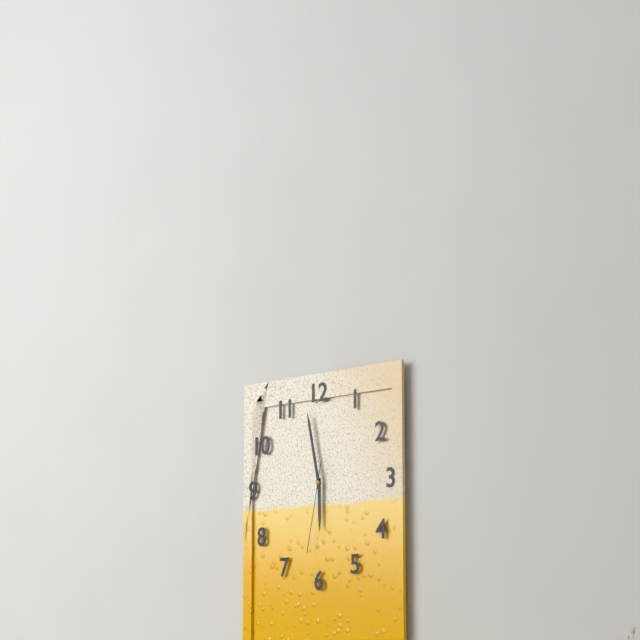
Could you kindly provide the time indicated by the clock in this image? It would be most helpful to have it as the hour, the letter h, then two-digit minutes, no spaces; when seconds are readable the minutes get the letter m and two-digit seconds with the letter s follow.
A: 5h58m32s
